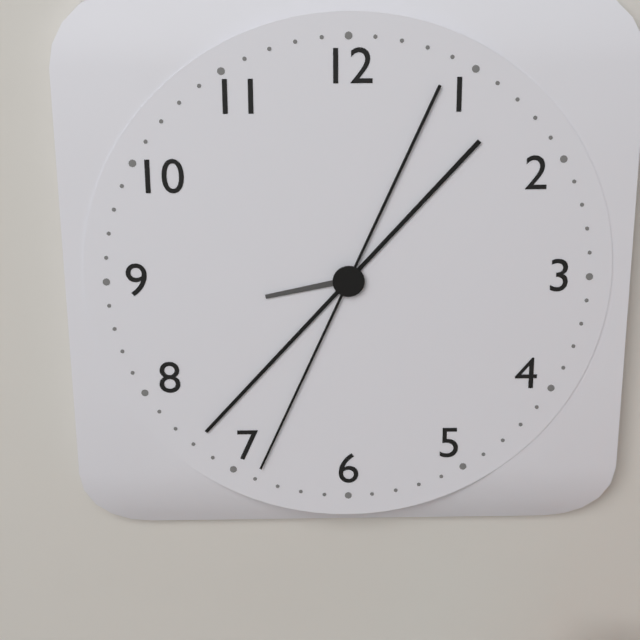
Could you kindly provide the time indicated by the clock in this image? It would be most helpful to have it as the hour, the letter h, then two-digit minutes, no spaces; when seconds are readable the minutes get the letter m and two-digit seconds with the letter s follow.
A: 8h37m34s
